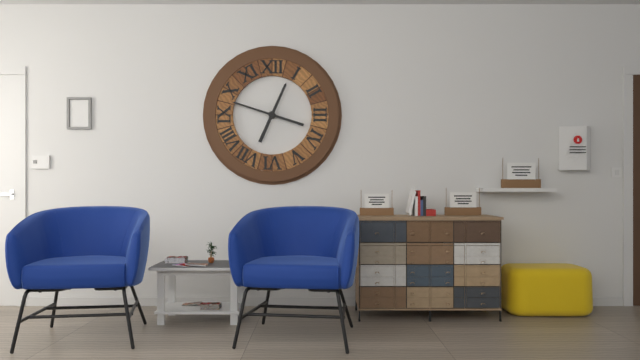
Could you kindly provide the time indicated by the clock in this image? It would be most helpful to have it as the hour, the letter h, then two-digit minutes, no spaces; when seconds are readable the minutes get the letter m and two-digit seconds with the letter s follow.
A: 12h48
